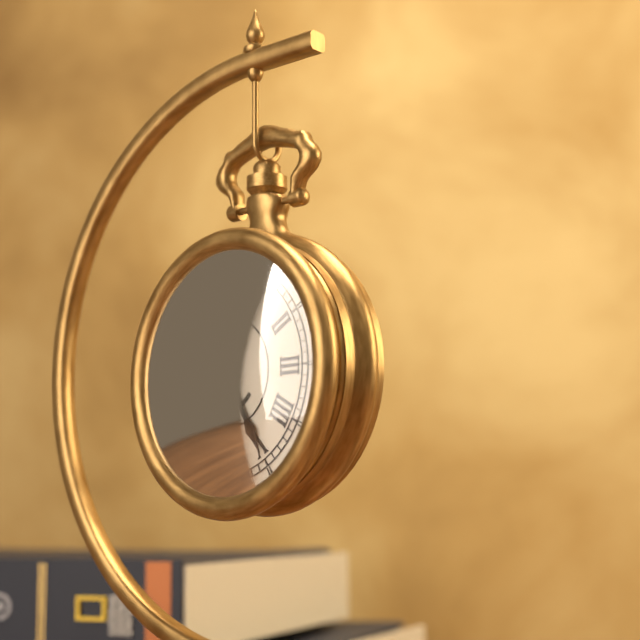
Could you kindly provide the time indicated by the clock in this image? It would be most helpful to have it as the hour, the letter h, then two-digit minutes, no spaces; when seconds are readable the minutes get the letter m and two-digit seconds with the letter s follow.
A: 12h25m06s
